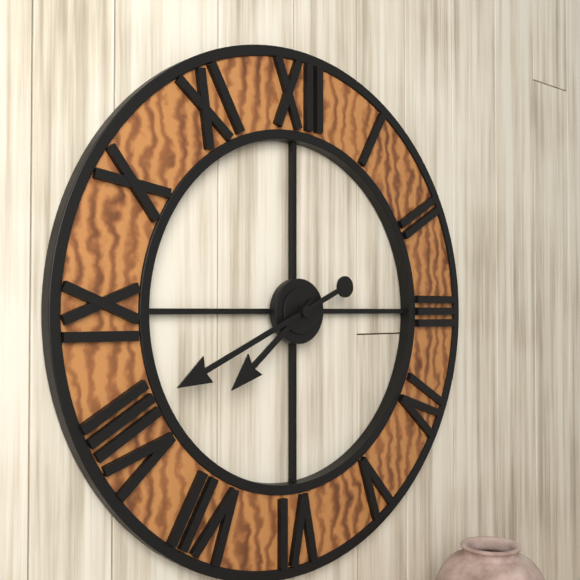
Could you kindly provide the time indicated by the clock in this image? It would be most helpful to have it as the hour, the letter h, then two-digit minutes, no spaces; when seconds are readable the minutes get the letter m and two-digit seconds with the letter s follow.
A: 7h41
